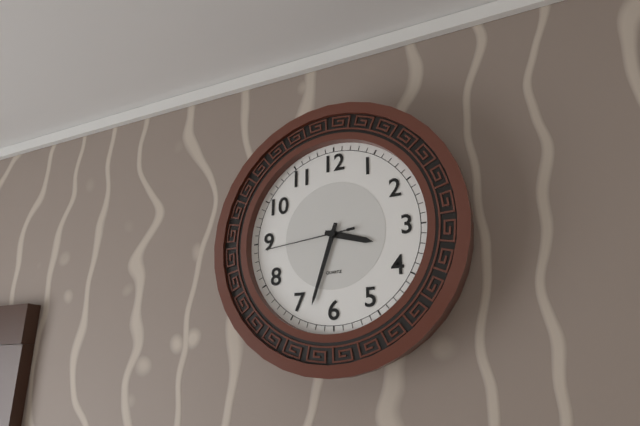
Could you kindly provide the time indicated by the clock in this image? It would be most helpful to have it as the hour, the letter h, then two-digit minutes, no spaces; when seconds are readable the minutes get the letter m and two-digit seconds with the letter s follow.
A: 3h33m44s
